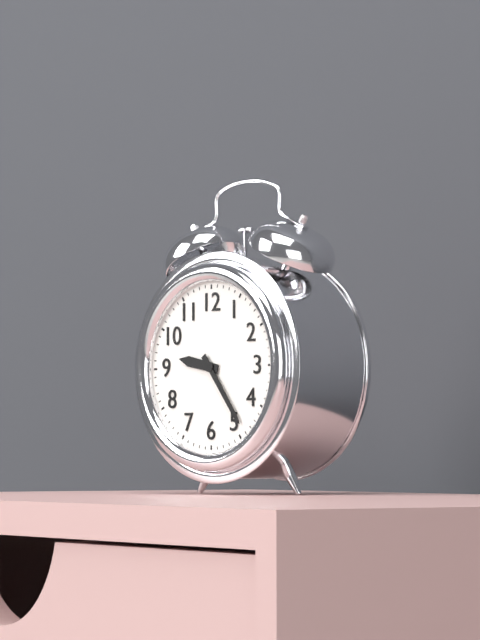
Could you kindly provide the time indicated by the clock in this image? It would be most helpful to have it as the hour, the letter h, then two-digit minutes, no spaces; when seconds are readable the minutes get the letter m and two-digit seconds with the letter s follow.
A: 9h24
